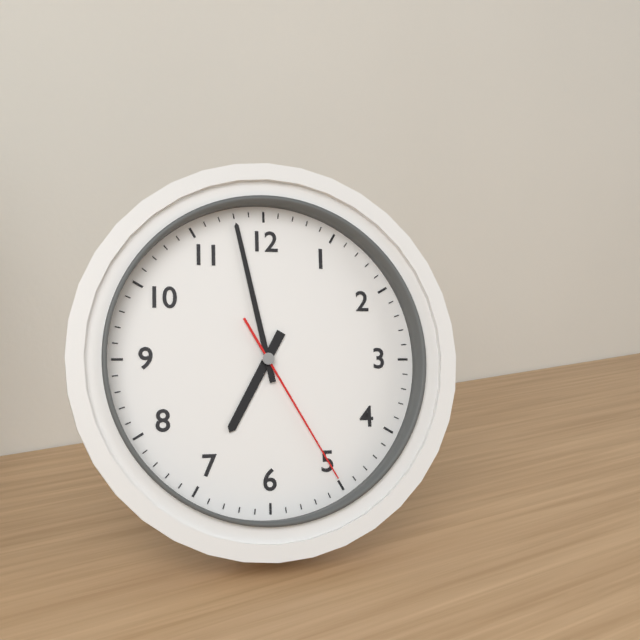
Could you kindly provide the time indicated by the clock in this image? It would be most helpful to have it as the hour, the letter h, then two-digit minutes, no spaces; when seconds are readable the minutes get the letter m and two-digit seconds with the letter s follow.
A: 6h58m25s
